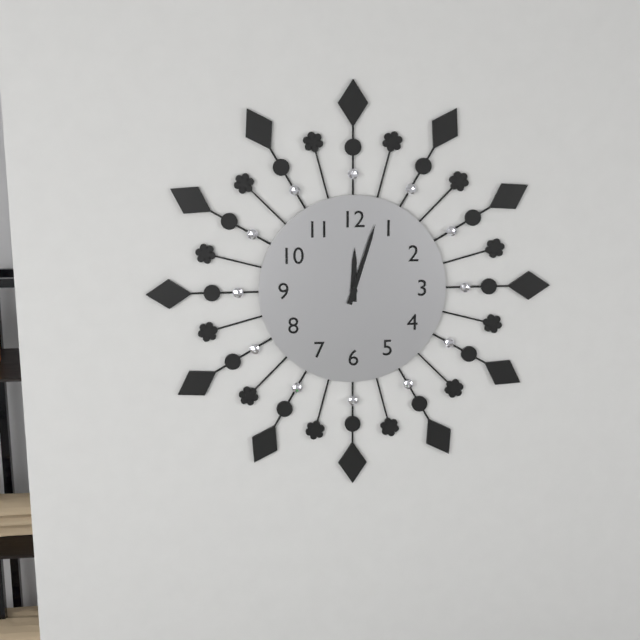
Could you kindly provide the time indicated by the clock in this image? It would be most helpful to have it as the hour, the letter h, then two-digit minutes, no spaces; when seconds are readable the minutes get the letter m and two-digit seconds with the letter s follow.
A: 12h03
